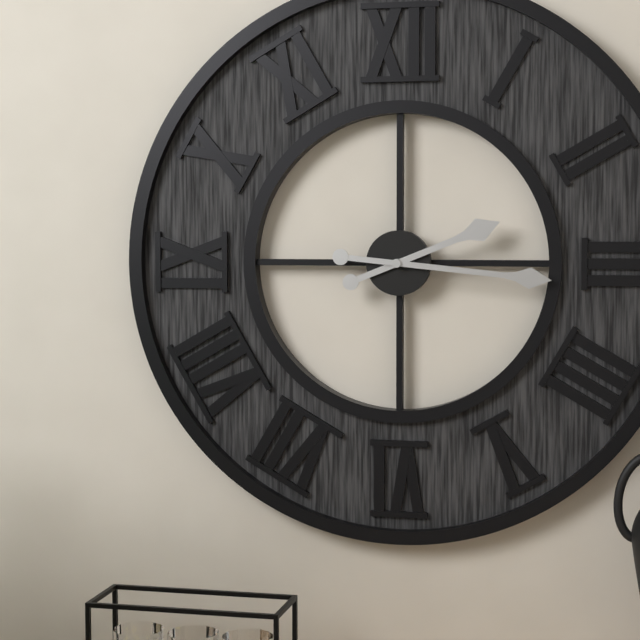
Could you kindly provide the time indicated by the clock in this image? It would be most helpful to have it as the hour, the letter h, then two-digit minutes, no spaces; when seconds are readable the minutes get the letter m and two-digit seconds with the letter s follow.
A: 2h16
